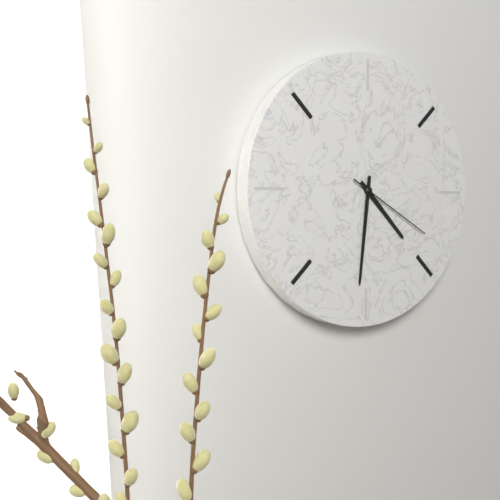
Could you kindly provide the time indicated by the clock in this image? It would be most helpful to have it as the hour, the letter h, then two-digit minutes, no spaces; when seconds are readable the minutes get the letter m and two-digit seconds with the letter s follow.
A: 4h31m20s
